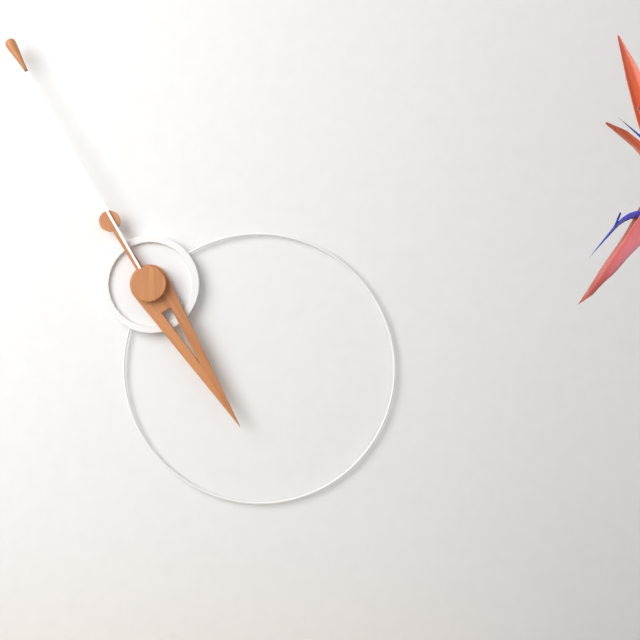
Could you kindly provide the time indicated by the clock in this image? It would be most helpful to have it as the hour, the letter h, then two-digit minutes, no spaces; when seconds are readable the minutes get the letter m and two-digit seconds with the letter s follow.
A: 4h55
